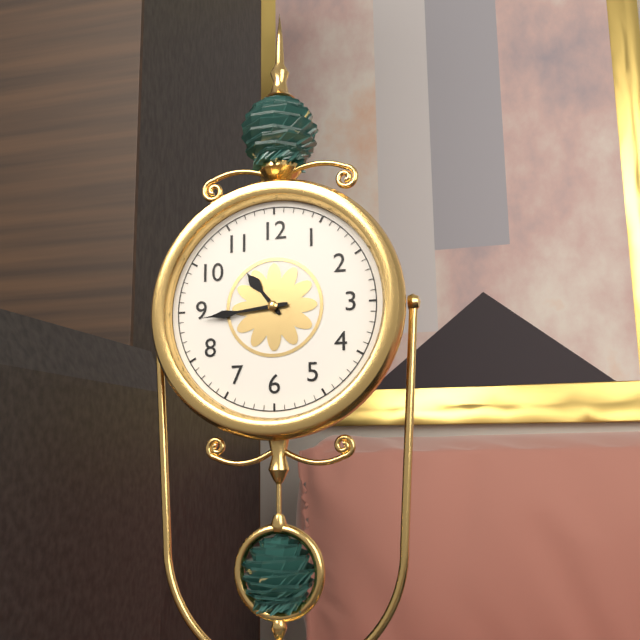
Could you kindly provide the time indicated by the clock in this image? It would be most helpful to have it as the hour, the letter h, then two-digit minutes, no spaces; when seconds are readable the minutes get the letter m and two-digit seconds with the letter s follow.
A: 10h44
